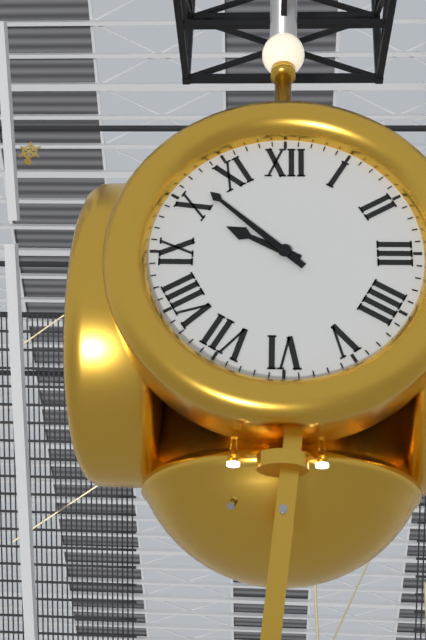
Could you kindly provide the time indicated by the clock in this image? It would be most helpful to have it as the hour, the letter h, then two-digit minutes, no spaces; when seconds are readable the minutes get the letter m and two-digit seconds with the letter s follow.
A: 9h52
